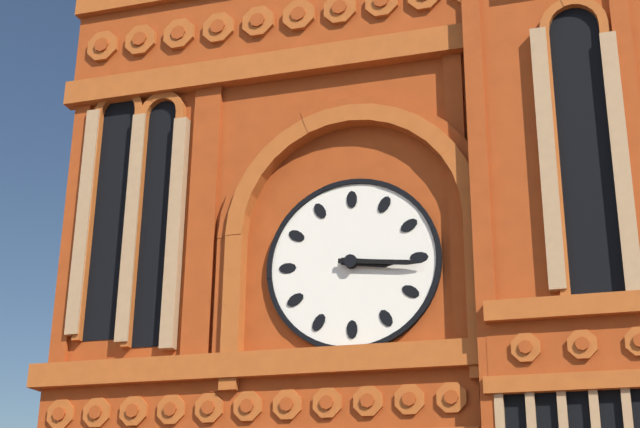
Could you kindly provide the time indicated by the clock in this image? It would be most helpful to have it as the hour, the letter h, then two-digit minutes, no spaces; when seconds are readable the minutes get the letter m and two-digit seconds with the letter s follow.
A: 3h16
